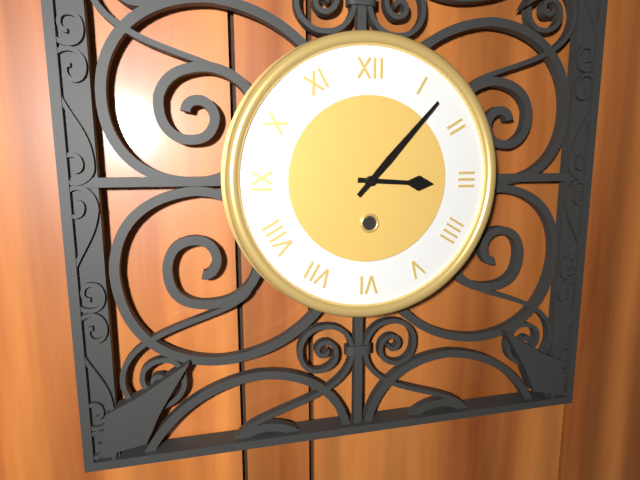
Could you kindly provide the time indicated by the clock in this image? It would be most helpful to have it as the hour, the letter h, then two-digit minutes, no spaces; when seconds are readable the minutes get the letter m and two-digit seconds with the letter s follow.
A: 3h07
